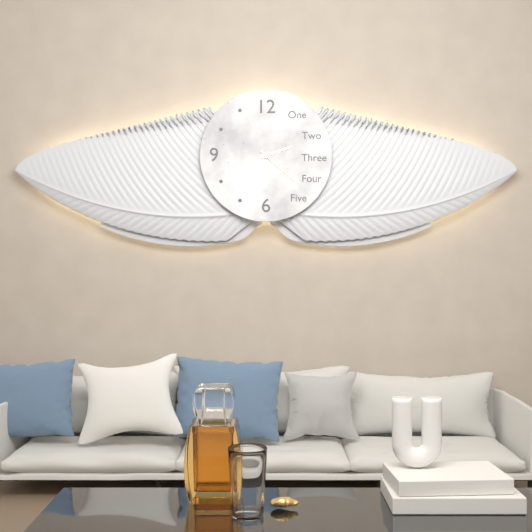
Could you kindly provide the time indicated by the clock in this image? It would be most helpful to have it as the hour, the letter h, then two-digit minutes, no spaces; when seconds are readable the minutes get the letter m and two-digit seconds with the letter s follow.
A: 2h22
